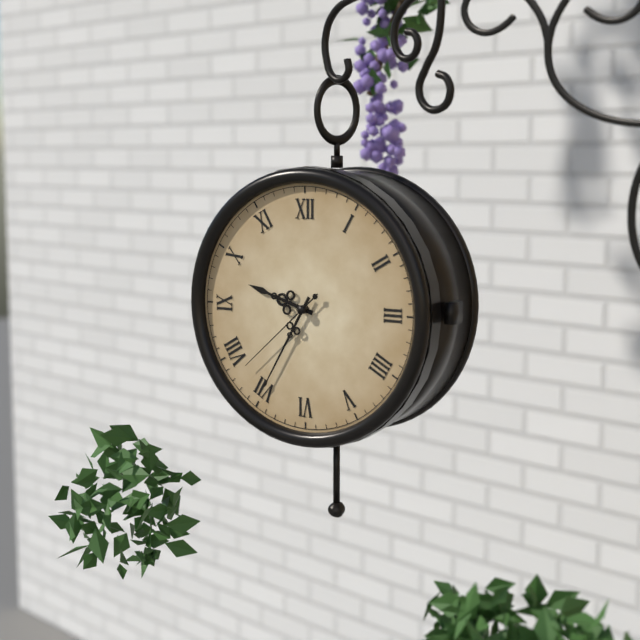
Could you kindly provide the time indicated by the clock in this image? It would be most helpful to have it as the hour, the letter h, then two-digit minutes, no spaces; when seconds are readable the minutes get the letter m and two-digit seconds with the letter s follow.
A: 9h35m38s
